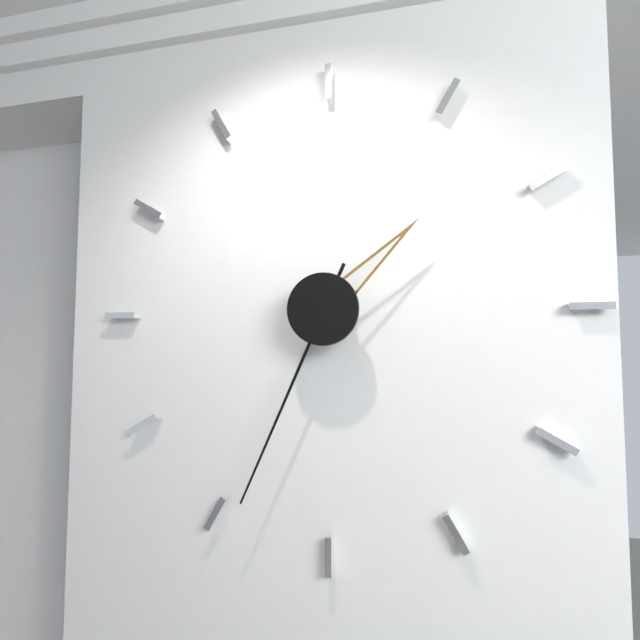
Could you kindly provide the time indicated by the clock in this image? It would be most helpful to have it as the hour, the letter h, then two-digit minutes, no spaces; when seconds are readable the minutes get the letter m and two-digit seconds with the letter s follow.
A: 1h34
